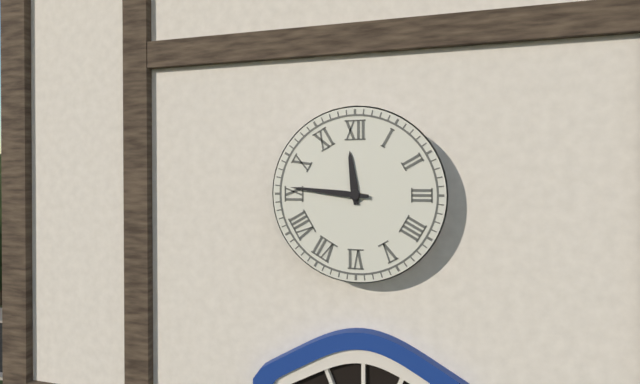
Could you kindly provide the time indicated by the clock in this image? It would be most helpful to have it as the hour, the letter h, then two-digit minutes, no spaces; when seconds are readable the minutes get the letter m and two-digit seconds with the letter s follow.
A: 11h46
